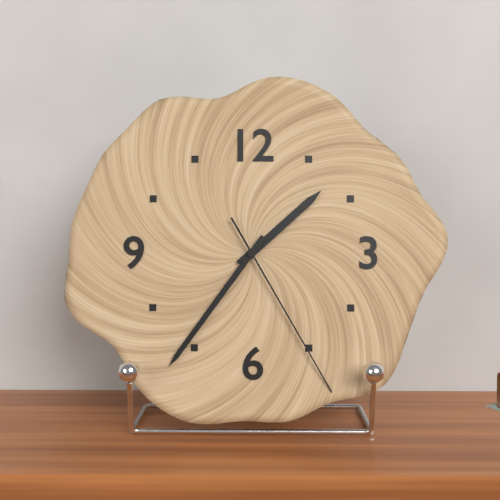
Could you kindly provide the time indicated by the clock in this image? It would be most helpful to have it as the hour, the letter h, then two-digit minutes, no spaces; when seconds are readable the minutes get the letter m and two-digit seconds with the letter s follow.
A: 1h36m25s
